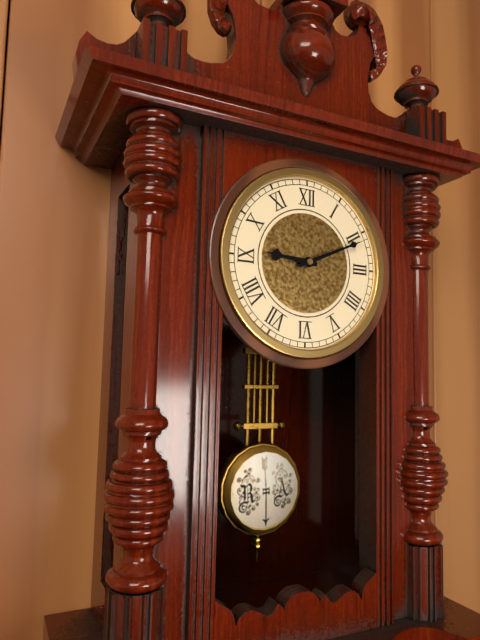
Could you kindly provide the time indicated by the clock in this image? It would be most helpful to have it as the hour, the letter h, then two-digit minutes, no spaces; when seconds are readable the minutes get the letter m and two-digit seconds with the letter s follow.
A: 9h11
